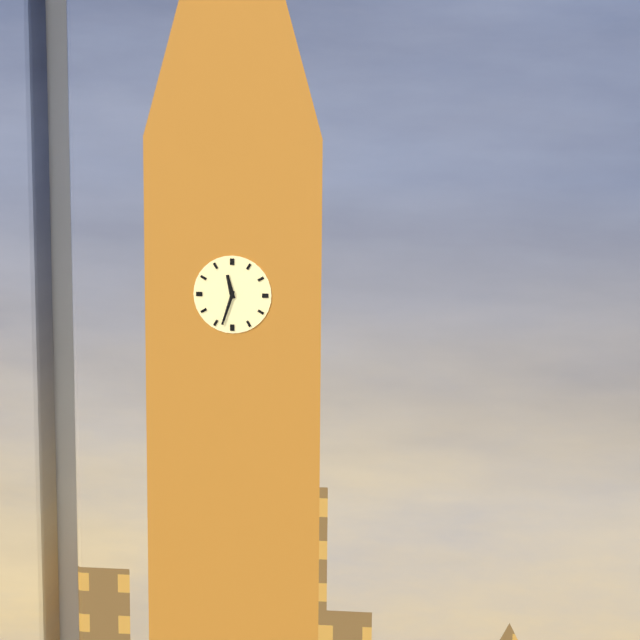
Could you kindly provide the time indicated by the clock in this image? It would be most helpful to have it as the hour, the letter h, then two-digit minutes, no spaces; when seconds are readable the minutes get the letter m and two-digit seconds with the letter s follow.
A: 11h33
